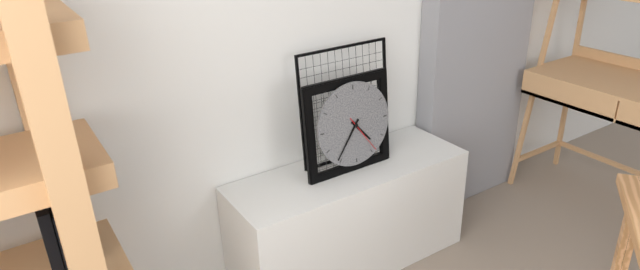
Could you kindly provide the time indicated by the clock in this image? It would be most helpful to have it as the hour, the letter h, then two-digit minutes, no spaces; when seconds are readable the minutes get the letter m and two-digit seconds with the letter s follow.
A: 4h36
